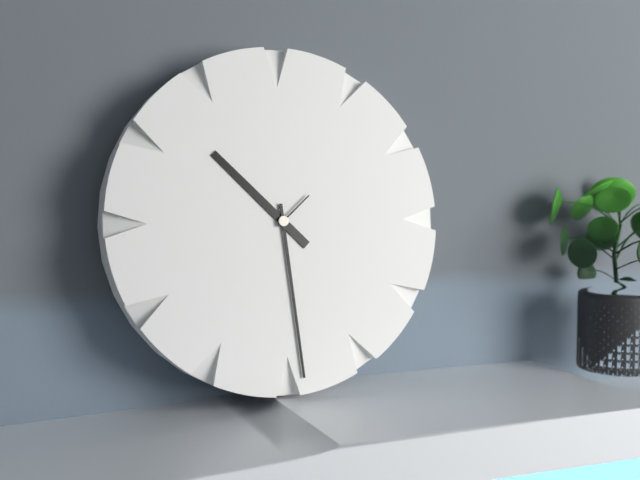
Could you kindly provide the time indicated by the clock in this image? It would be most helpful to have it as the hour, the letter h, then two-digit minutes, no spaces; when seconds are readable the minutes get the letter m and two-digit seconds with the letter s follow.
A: 10h29
